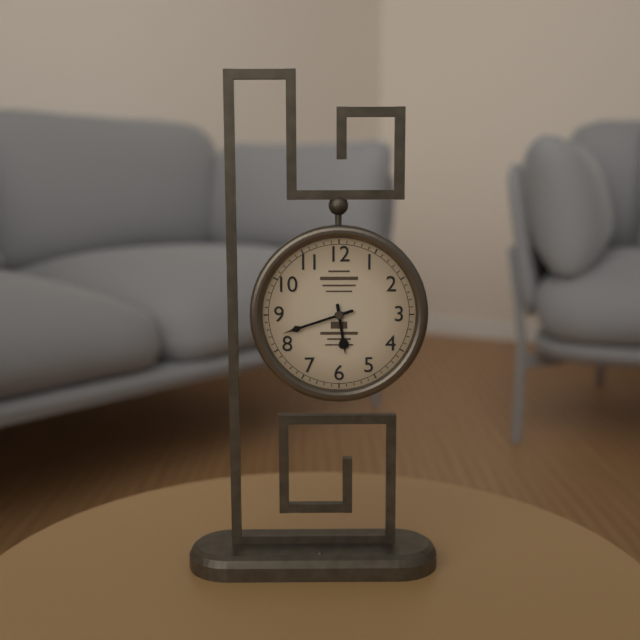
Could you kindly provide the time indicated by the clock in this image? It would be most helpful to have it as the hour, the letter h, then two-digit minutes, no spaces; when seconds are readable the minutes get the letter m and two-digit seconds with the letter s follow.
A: 5h42
